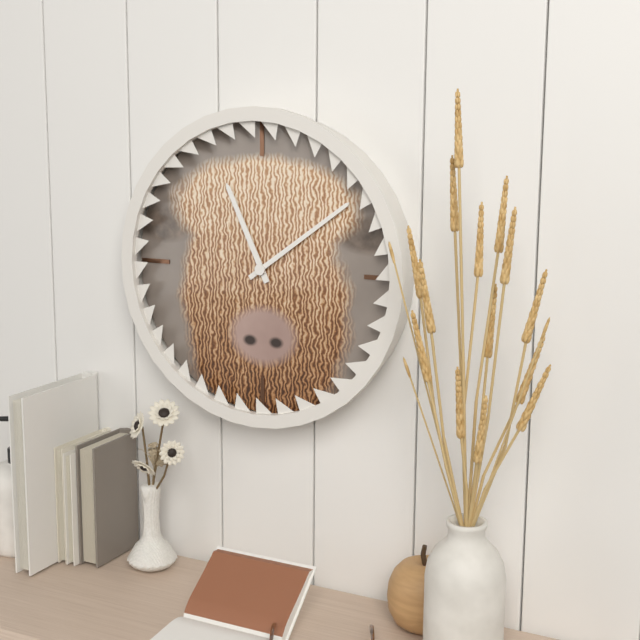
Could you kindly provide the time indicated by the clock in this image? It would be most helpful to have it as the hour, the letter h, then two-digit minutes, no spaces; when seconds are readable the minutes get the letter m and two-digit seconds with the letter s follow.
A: 11h09
